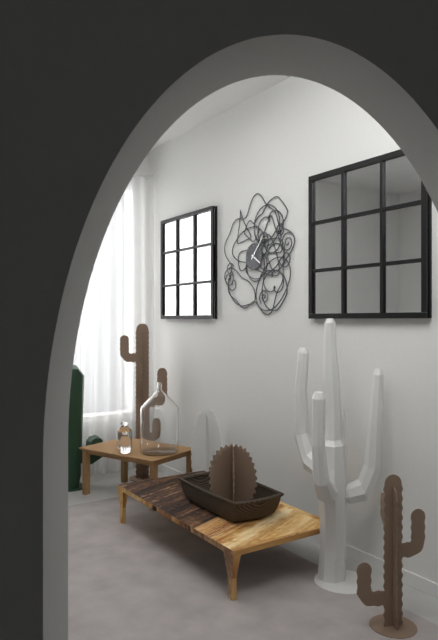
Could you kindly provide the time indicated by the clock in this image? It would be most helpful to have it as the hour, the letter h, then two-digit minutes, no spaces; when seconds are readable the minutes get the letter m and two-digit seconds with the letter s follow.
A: 4h07
